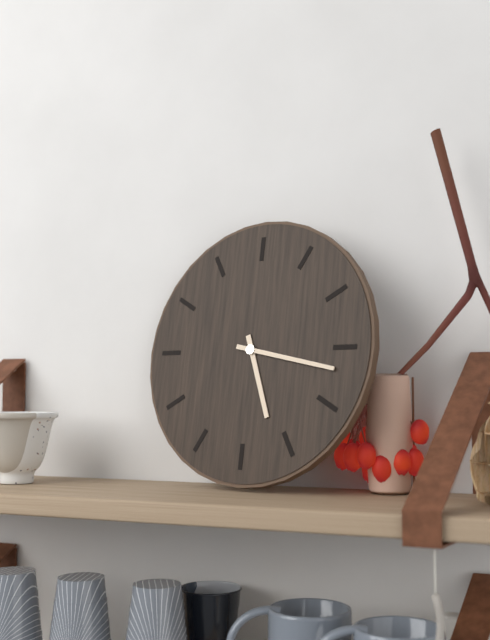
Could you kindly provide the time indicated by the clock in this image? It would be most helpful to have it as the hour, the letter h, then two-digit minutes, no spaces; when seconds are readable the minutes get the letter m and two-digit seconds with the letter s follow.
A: 5h17
